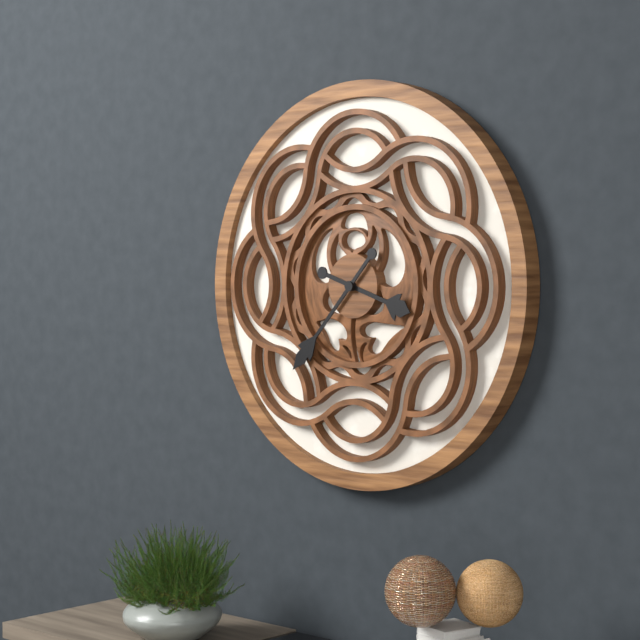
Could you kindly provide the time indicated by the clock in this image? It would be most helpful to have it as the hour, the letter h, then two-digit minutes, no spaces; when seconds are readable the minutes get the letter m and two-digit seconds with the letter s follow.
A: 3h37
